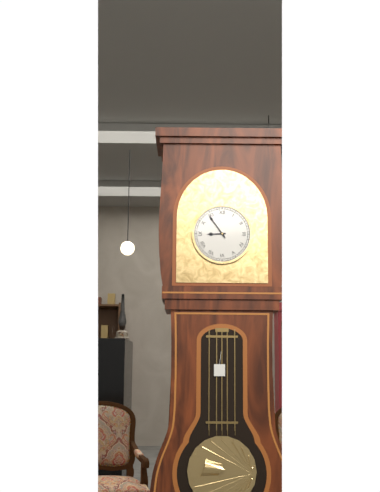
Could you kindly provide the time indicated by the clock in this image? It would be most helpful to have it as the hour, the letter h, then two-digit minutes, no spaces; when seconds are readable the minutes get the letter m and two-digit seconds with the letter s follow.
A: 8h54
